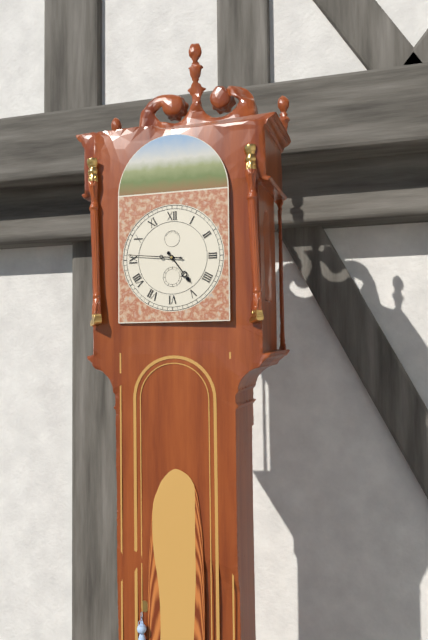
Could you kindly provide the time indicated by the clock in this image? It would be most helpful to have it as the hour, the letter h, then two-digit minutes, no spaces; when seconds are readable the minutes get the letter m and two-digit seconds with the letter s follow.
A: 4h46
